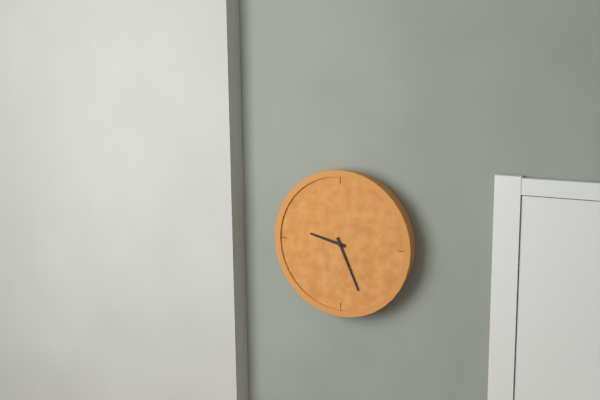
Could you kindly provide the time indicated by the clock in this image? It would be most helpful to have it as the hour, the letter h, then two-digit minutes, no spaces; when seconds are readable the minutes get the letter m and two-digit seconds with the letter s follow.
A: 9h26
